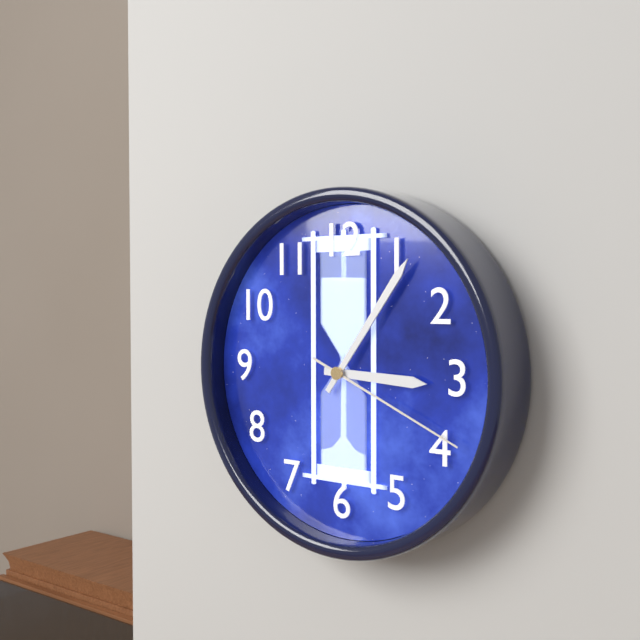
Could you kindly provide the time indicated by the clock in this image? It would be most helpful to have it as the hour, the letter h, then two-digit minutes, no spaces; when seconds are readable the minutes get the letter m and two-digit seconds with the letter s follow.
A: 3h06m19s
